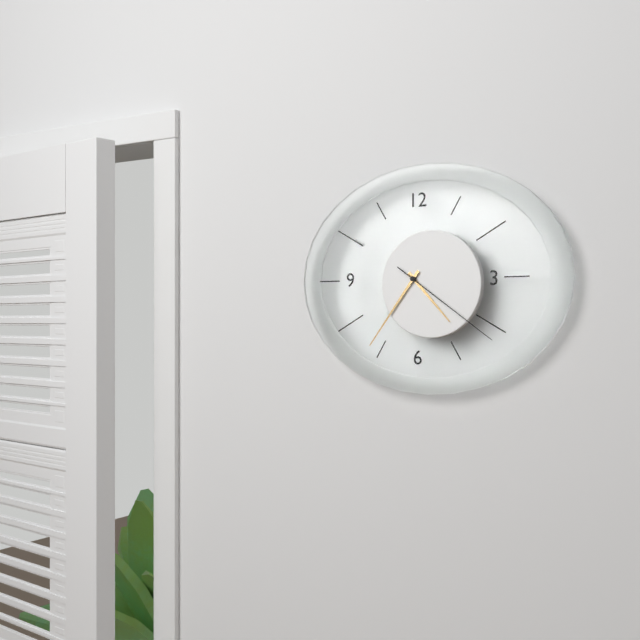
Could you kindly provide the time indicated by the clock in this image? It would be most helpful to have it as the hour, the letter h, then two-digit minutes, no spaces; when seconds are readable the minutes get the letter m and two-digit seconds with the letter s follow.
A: 4h36m21s
